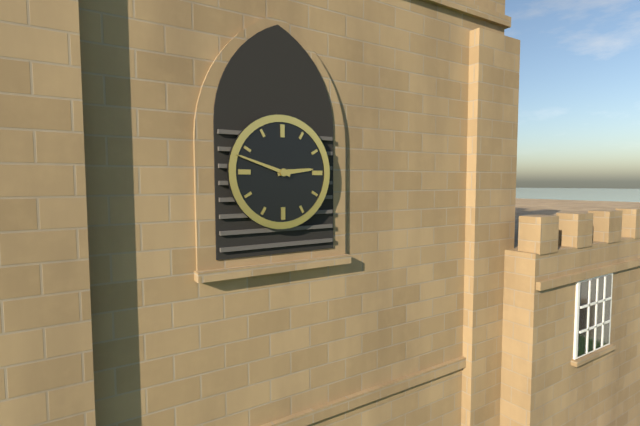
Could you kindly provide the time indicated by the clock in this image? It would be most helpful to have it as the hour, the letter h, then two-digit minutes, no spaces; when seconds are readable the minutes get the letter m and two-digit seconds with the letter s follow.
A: 2h48
